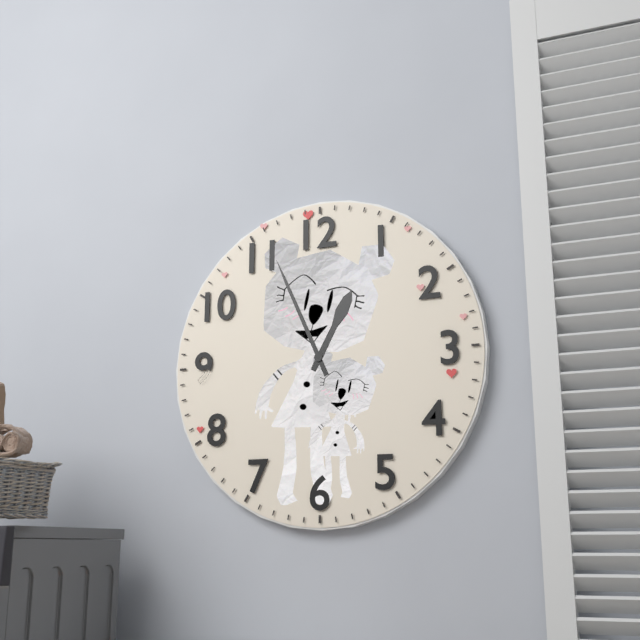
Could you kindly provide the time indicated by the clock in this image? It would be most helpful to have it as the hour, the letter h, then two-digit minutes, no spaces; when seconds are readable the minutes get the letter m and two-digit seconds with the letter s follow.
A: 12h56
